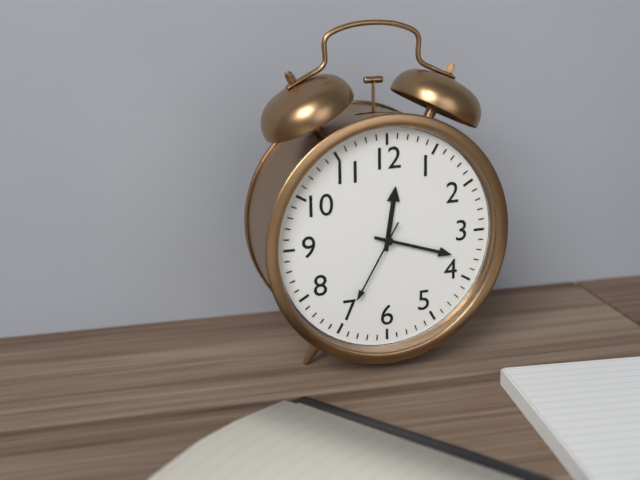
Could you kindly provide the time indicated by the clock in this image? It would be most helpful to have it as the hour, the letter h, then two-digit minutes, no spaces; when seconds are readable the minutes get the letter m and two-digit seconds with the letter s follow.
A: 12h18m35s
